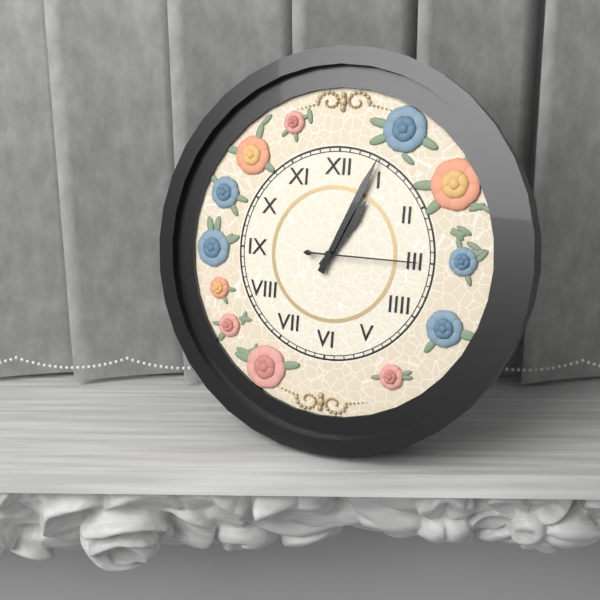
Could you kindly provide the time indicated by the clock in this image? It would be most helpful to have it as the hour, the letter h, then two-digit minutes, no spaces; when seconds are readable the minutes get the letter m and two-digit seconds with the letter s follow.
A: 1h04m15s
